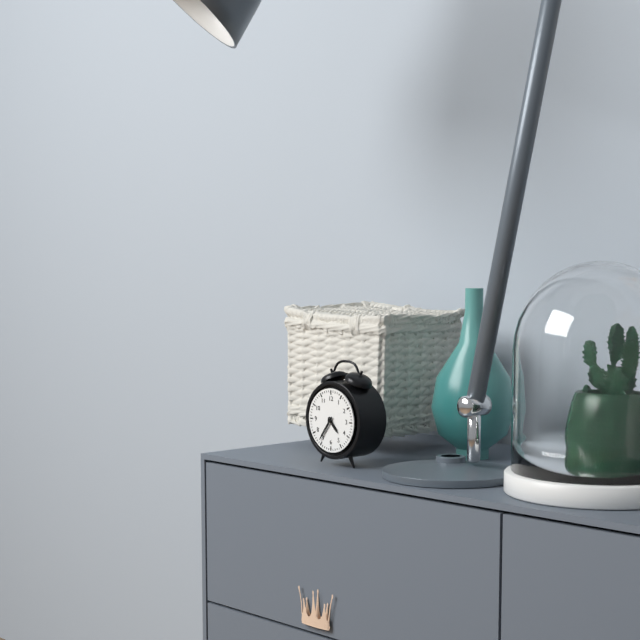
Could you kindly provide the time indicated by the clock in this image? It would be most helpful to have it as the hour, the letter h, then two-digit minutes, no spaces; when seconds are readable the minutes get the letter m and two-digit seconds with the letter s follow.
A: 4h36
